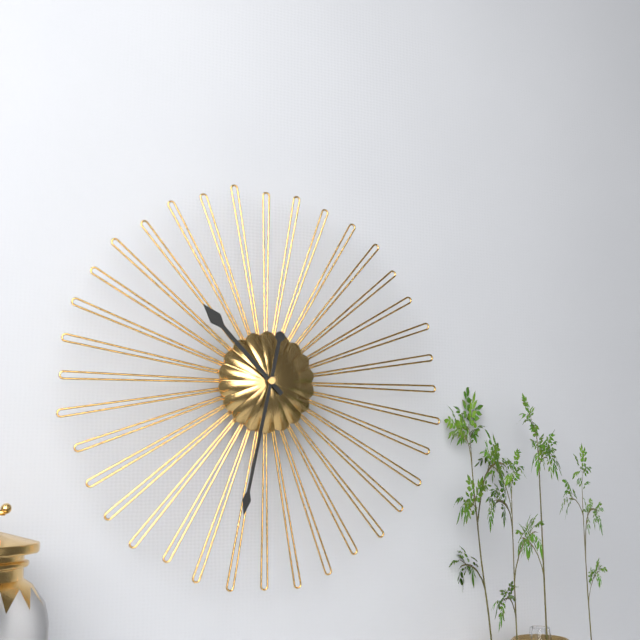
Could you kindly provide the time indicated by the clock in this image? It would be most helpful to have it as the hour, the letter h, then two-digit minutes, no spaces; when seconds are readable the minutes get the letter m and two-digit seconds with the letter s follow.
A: 10h32
